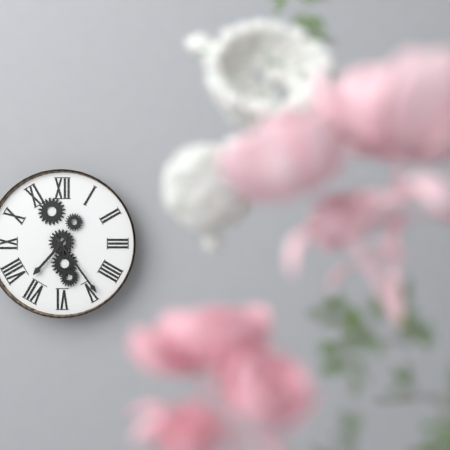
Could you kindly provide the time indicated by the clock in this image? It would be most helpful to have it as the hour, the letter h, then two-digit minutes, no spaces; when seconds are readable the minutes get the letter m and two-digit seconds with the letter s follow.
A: 7h24
